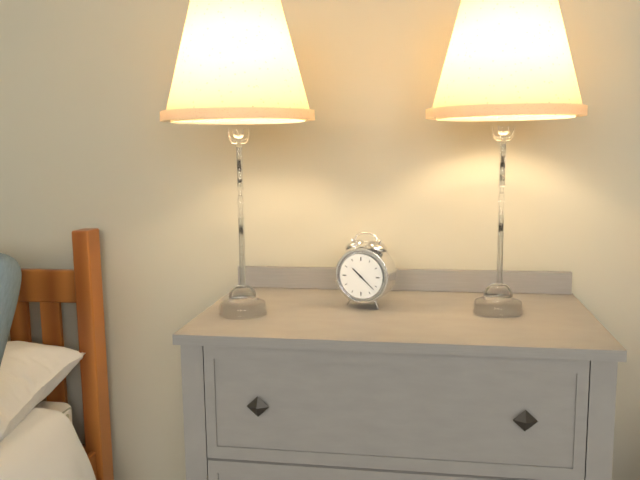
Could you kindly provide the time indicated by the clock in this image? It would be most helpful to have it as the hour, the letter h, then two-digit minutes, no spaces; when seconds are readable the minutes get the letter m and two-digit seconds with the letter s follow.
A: 10h22
